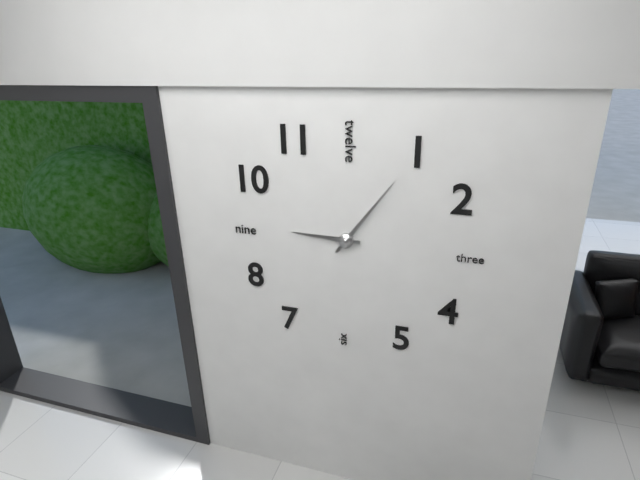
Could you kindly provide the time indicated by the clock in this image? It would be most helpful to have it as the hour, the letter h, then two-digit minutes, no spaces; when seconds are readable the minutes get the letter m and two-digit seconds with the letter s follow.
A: 9h06
